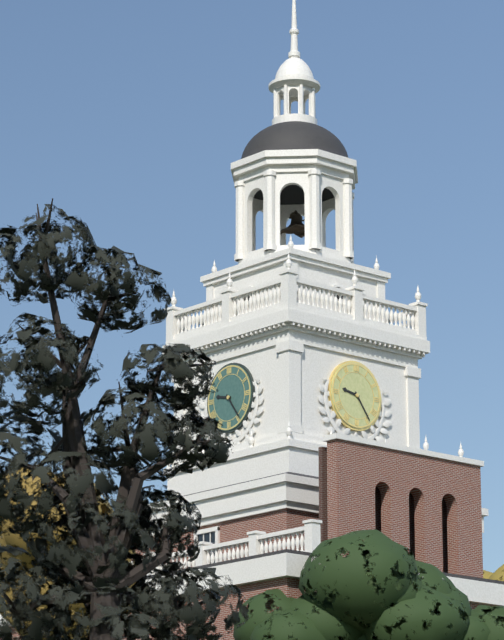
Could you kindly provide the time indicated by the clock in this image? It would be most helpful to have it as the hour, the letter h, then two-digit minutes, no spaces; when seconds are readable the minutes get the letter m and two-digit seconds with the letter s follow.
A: 9h24
